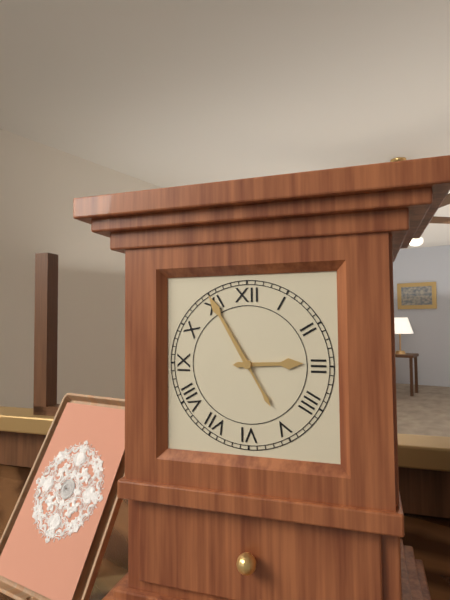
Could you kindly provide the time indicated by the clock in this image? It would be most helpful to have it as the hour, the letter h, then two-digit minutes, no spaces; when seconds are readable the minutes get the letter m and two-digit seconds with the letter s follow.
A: 2h55
